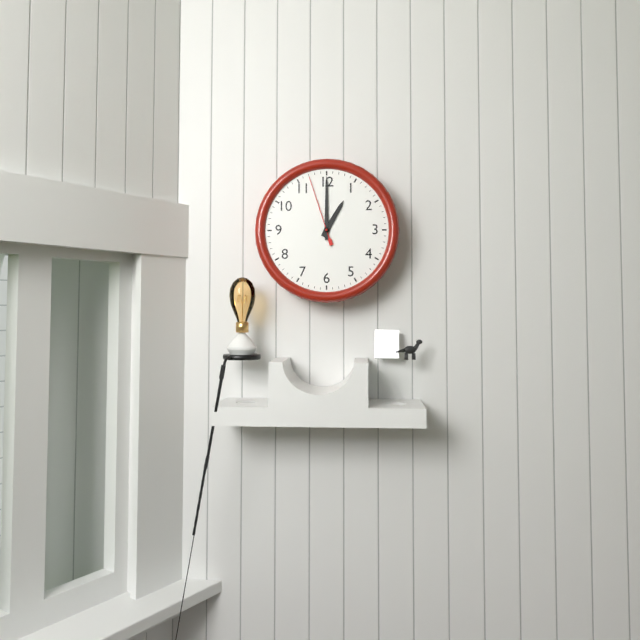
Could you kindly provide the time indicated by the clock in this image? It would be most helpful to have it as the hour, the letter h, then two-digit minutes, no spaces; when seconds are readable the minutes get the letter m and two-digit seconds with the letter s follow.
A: 1h00m57s
